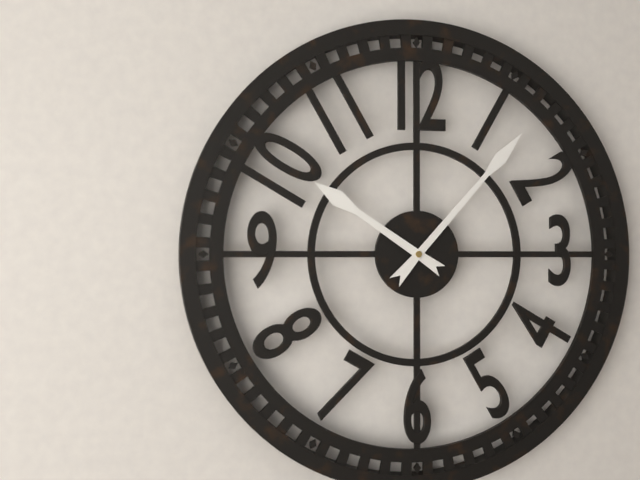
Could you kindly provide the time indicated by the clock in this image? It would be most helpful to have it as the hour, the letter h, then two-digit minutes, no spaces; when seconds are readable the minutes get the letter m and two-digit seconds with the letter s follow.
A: 10h07
